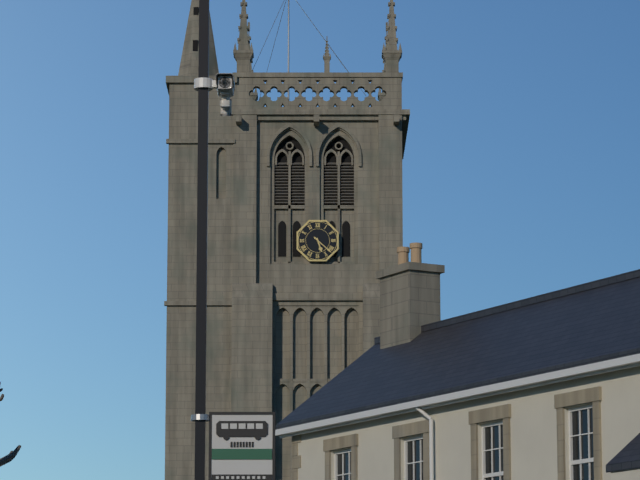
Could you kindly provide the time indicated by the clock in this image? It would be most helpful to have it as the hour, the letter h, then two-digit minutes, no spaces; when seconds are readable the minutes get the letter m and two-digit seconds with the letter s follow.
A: 5h22
